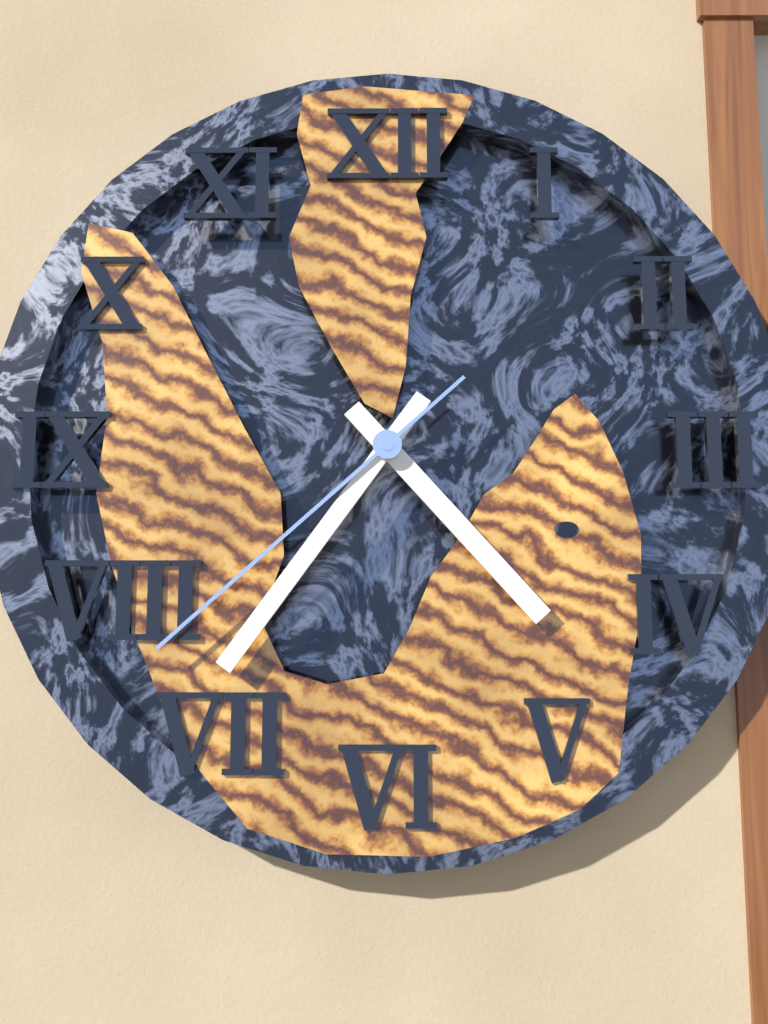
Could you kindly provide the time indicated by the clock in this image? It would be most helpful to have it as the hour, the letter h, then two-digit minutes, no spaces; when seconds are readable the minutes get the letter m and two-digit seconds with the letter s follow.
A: 4h36m38s
